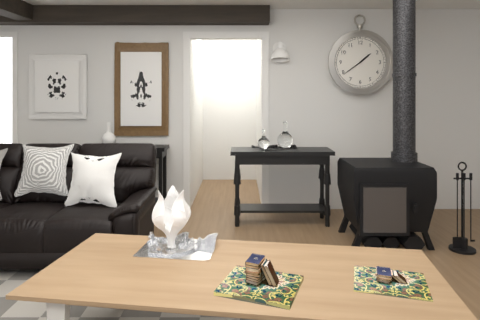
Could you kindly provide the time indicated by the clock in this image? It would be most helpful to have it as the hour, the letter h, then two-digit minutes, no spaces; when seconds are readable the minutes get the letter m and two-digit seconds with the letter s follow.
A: 1h39
